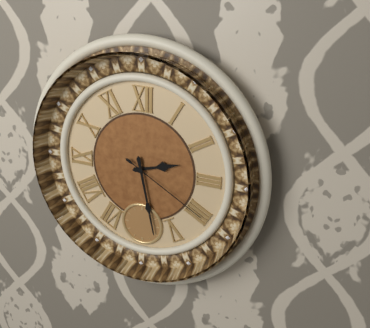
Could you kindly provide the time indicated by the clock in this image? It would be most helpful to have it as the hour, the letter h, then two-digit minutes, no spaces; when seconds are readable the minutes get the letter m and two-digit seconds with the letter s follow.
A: 2h28m20s
